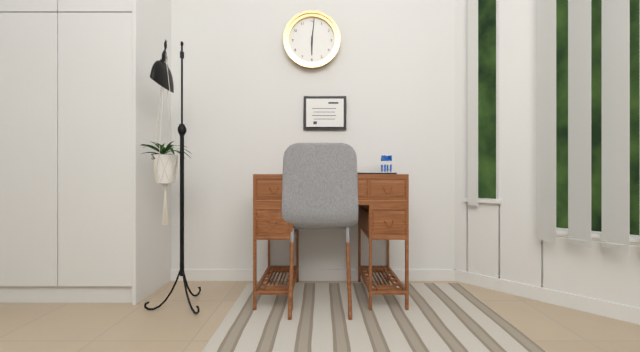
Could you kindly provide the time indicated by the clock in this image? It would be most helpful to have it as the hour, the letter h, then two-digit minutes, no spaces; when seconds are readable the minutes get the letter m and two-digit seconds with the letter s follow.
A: 6h01
